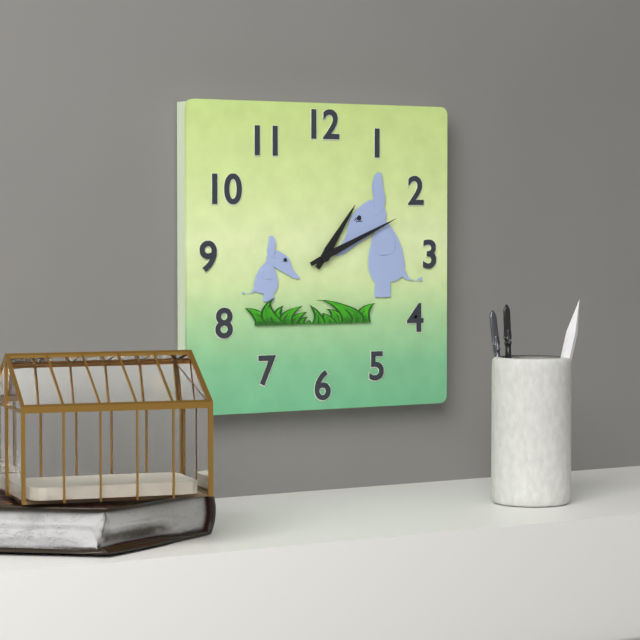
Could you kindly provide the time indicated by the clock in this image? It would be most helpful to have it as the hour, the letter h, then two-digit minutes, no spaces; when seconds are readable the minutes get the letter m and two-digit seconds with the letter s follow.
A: 1h11
